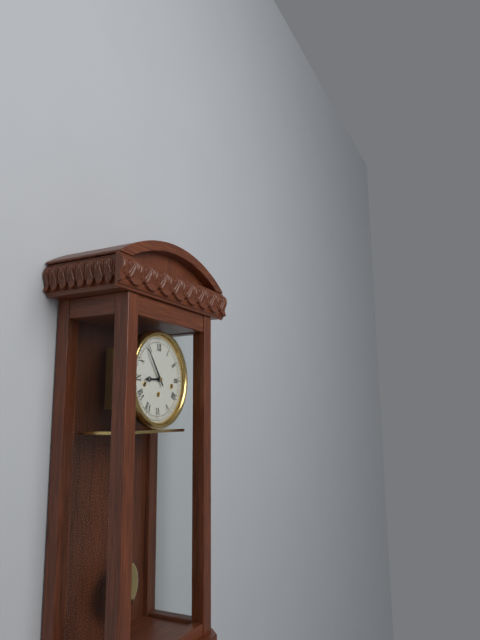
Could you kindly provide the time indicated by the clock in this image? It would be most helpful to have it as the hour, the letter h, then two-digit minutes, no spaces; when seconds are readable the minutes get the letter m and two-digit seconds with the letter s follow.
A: 8h54
